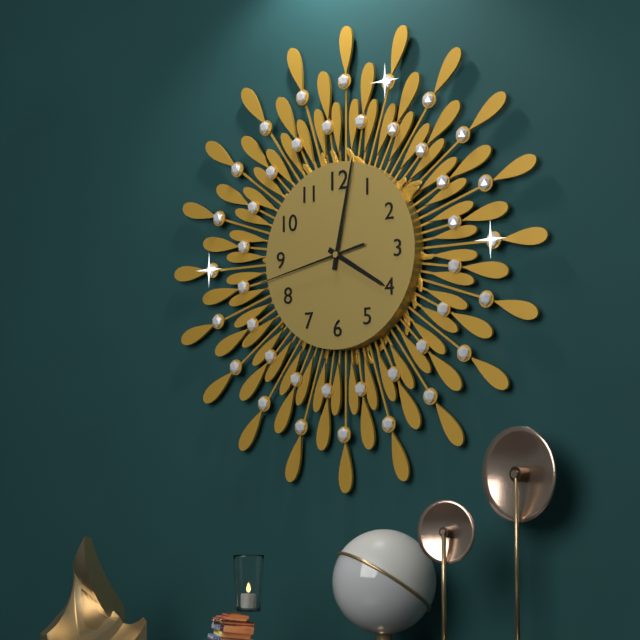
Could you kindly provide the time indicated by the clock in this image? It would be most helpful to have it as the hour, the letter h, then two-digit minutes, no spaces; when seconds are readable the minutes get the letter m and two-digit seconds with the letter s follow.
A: 4h02m43s
